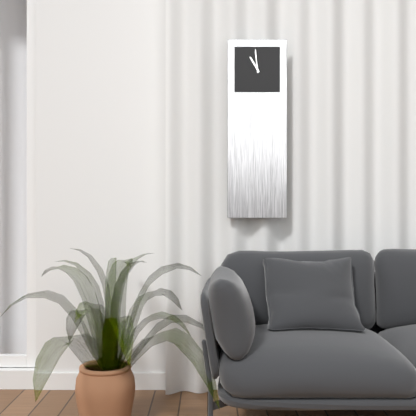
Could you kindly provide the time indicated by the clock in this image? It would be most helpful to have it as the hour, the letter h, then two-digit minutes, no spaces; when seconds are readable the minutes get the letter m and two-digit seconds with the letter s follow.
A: 10h59
